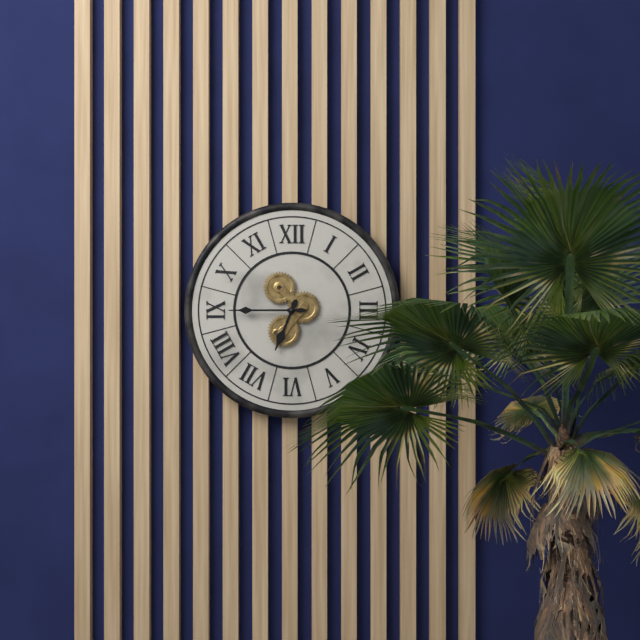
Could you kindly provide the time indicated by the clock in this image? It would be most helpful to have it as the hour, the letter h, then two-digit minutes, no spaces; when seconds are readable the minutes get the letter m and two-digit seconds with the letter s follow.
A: 6h45
